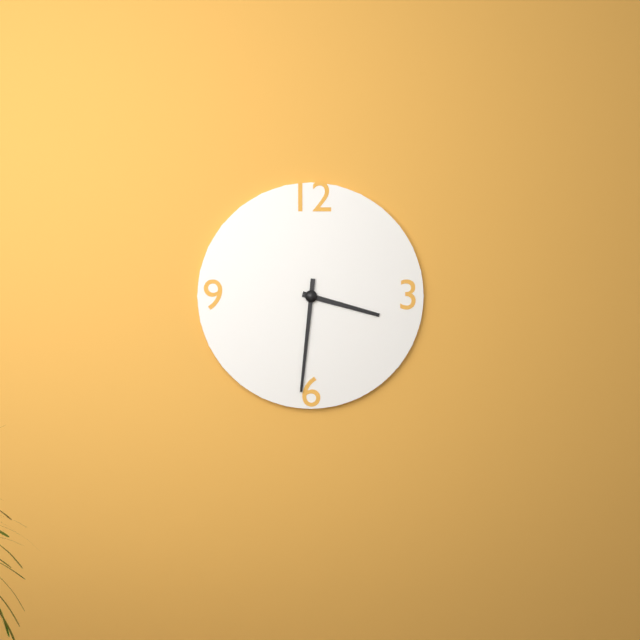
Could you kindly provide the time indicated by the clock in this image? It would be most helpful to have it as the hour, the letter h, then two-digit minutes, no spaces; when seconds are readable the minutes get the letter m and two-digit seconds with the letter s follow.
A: 3h31
